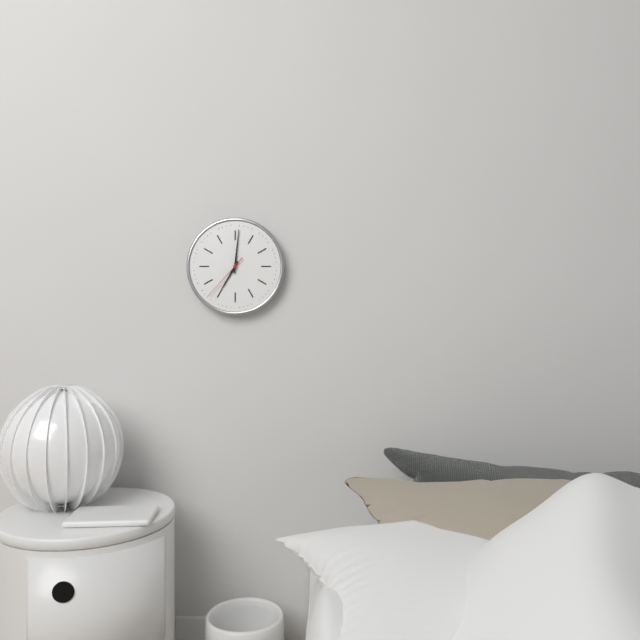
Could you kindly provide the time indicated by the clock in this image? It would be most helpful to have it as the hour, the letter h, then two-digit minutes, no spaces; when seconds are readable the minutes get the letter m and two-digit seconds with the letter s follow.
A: 7h01m37s
